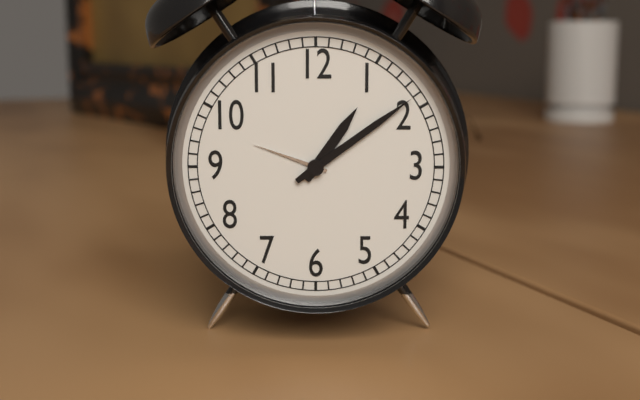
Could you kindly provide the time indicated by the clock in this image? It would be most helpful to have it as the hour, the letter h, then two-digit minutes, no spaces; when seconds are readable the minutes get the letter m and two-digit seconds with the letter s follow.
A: 1h09
